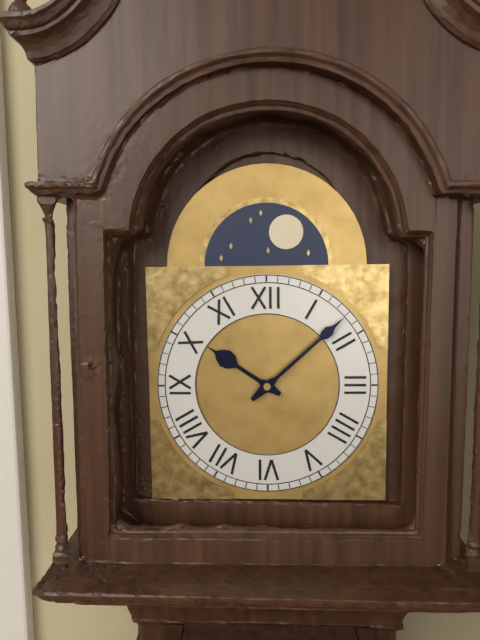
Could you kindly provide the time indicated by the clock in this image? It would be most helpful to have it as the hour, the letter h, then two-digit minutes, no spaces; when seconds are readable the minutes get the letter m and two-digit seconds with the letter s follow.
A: 10h08
